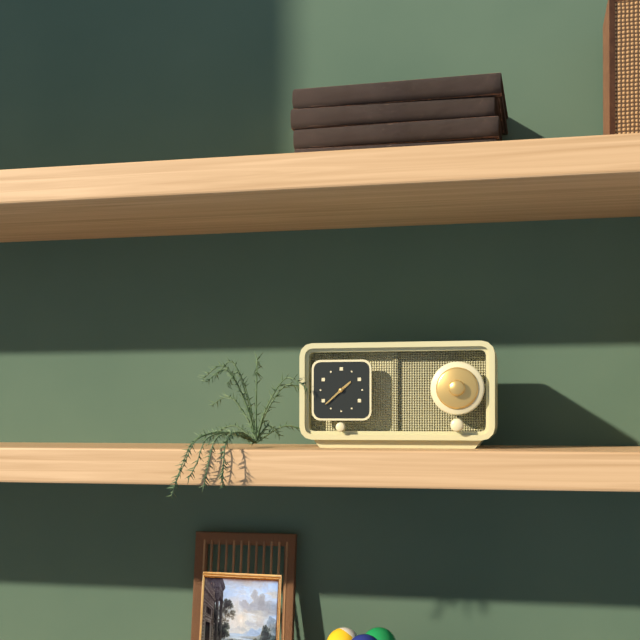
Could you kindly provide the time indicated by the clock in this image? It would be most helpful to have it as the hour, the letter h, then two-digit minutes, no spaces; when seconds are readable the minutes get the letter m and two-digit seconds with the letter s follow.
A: 1h38
